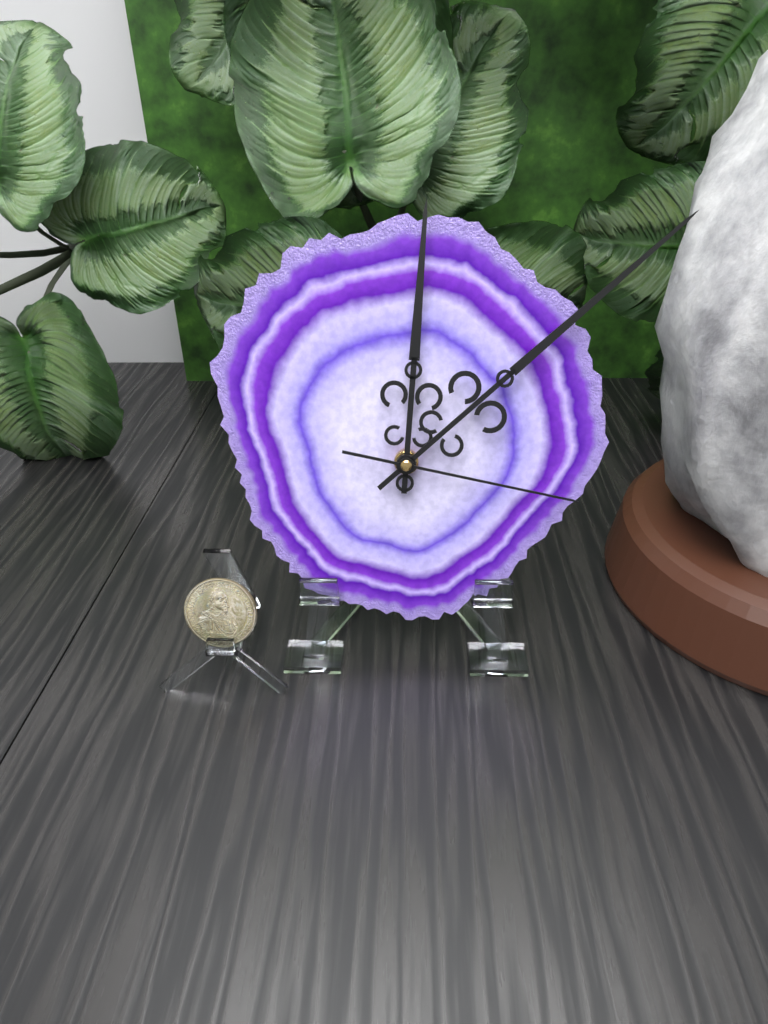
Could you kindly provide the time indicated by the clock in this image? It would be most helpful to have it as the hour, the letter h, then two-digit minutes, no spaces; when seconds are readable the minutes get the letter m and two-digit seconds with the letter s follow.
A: 12h08m17s
